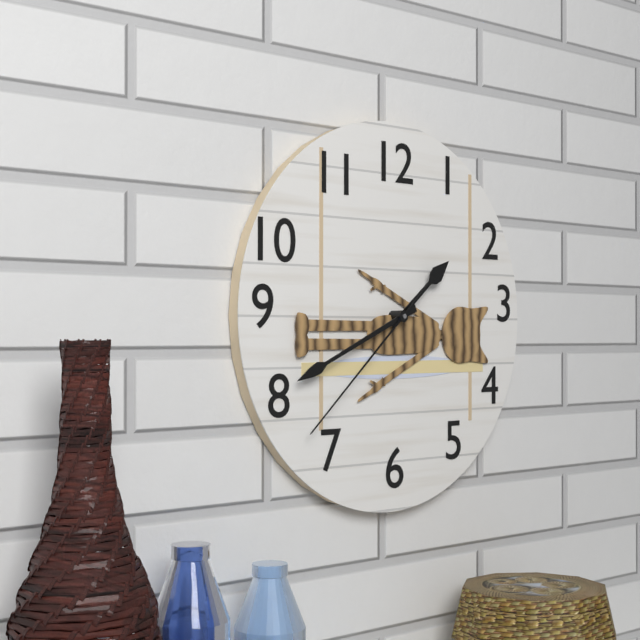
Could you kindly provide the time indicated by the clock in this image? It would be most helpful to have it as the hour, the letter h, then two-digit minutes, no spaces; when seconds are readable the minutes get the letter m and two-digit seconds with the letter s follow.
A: 1h41m38s
